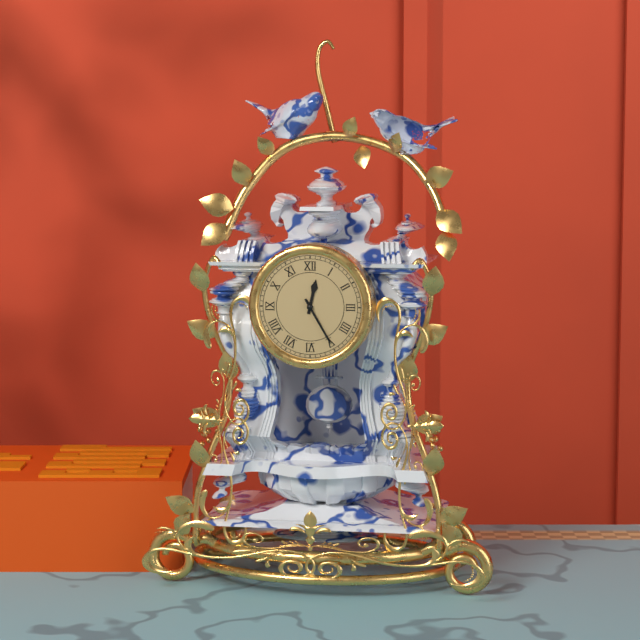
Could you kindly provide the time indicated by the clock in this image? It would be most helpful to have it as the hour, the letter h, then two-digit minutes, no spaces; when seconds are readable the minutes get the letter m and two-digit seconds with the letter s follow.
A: 12h25
